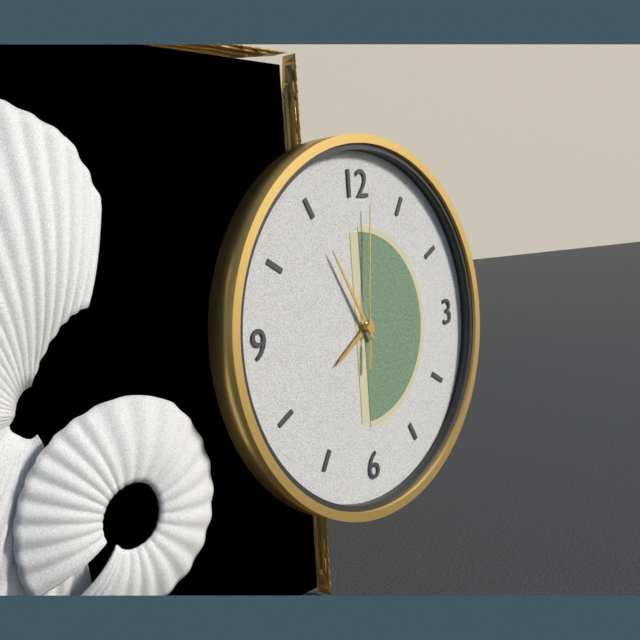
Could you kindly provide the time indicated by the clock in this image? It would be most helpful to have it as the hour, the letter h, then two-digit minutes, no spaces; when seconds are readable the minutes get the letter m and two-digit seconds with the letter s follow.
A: 7h55m01s
